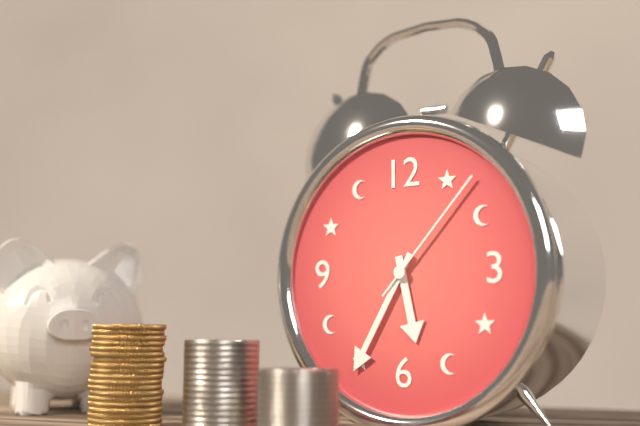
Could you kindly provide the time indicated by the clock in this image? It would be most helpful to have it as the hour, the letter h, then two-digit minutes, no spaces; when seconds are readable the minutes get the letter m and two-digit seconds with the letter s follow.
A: 5h35m07s
